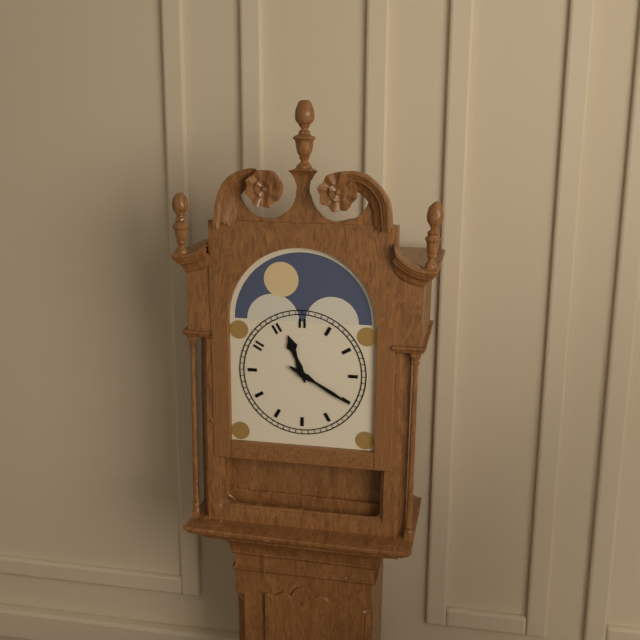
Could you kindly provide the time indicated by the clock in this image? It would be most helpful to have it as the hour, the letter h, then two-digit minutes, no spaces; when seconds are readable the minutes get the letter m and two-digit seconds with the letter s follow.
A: 11h20
